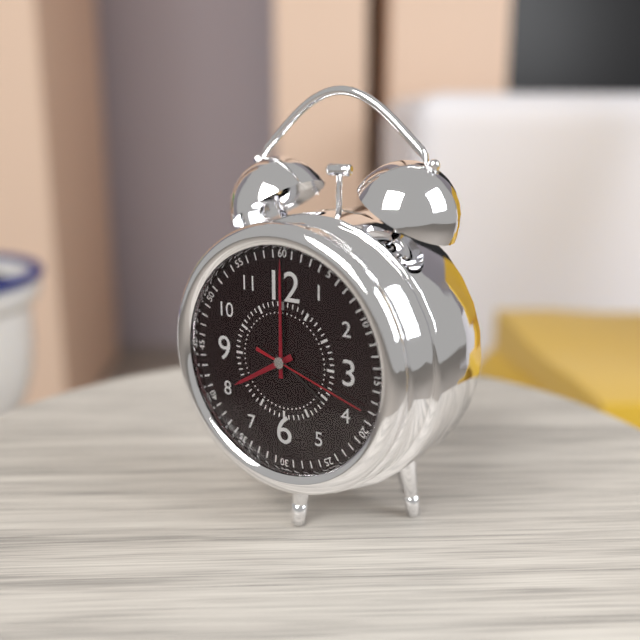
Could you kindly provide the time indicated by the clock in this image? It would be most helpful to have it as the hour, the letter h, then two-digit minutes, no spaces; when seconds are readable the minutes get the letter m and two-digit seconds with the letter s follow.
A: 8h00m18s
